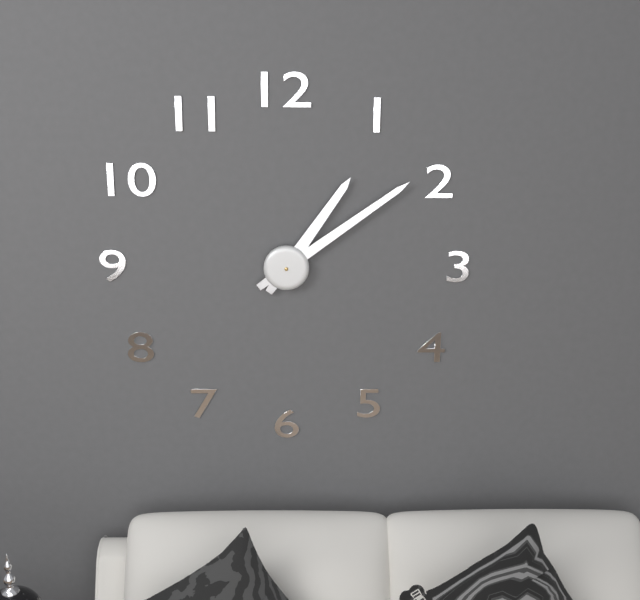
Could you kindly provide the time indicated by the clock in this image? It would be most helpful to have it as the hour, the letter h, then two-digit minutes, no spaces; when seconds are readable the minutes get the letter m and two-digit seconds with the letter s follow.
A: 1h09
